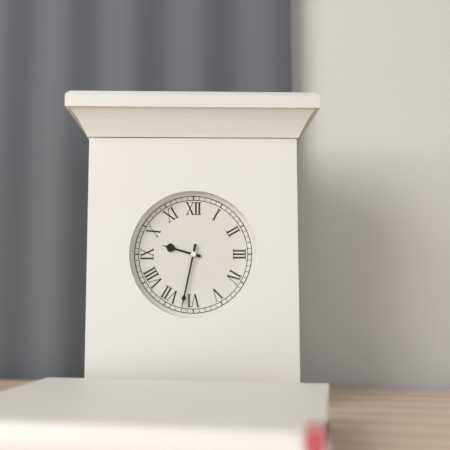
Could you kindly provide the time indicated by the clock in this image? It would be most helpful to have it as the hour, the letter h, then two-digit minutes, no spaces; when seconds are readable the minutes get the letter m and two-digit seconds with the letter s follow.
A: 9h32
